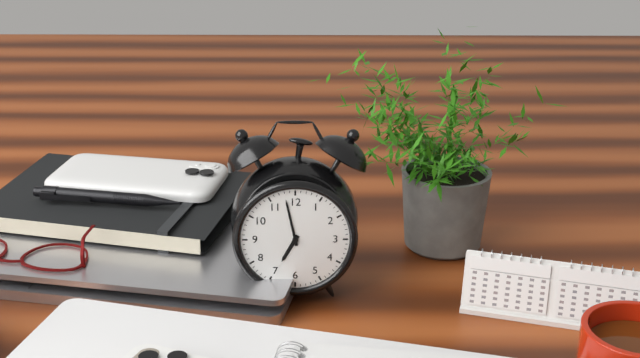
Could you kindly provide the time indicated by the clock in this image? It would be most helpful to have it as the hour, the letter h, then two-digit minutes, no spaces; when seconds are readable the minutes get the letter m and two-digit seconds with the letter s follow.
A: 6h58
